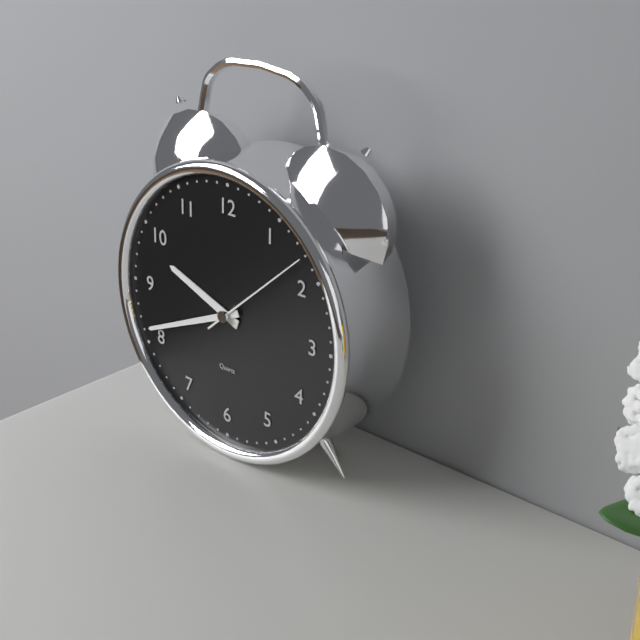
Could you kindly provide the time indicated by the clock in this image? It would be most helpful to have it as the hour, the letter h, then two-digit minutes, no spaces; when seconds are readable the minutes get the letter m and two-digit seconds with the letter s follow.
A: 9h41m08s
